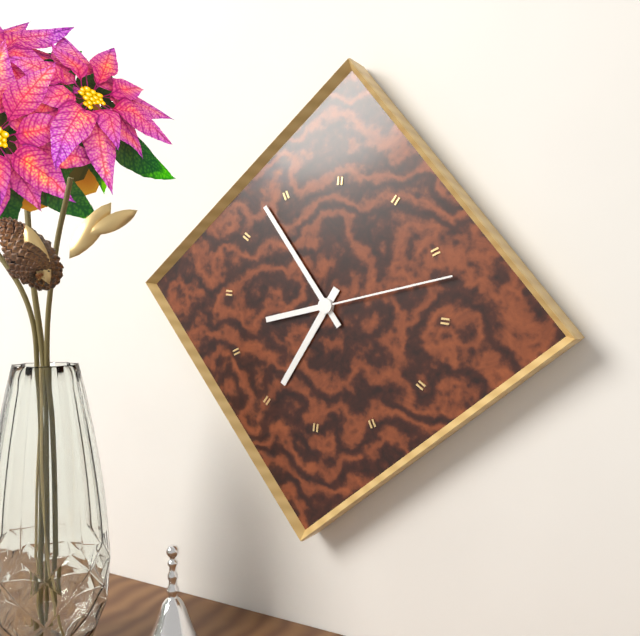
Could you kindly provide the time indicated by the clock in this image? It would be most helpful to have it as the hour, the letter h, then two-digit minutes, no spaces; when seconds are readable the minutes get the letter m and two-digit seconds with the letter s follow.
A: 6h53m12s
